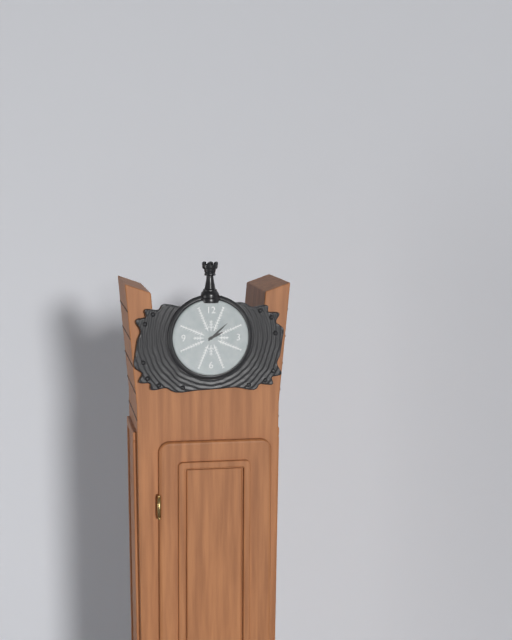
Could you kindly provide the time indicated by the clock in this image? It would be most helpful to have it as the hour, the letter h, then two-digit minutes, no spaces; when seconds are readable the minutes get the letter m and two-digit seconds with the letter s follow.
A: 2h08
